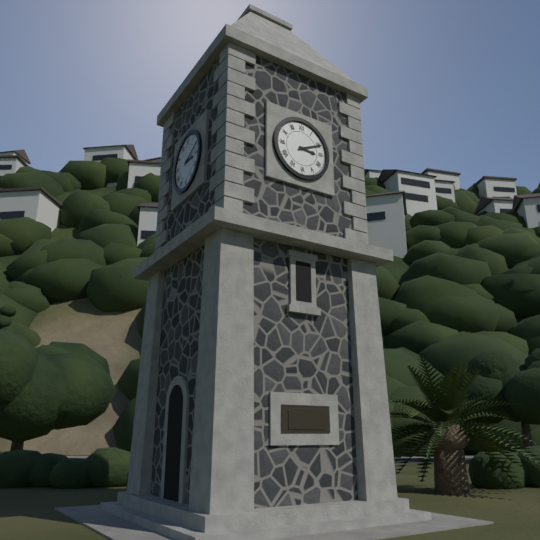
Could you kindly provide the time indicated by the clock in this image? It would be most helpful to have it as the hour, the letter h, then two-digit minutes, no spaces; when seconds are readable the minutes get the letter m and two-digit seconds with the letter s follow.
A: 3h11
